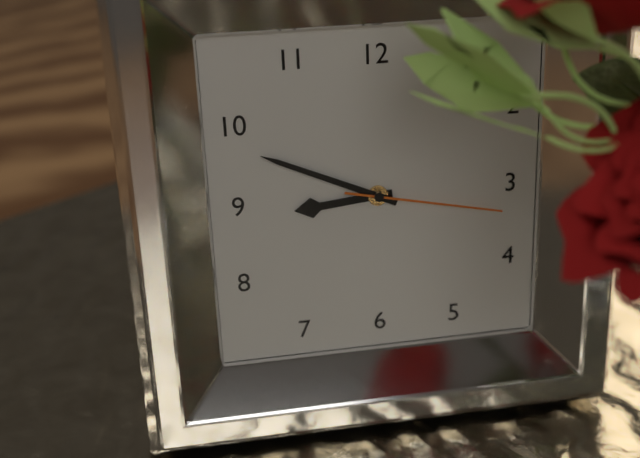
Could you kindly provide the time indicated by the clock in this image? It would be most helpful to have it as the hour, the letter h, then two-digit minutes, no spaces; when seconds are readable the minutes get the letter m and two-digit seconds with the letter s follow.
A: 8h49m17s
